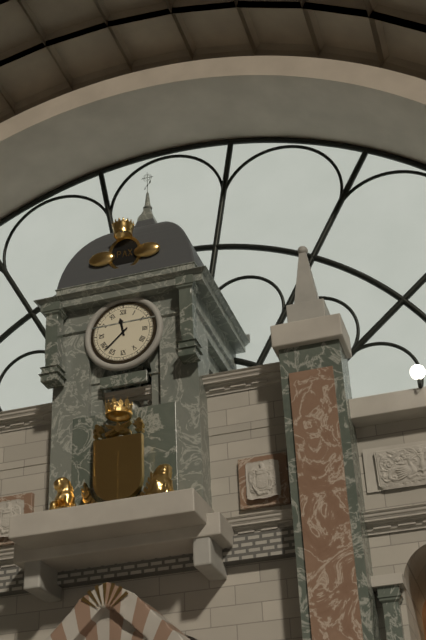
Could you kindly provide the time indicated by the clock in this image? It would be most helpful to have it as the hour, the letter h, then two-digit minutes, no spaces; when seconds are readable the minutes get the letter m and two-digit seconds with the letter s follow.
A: 11h38
